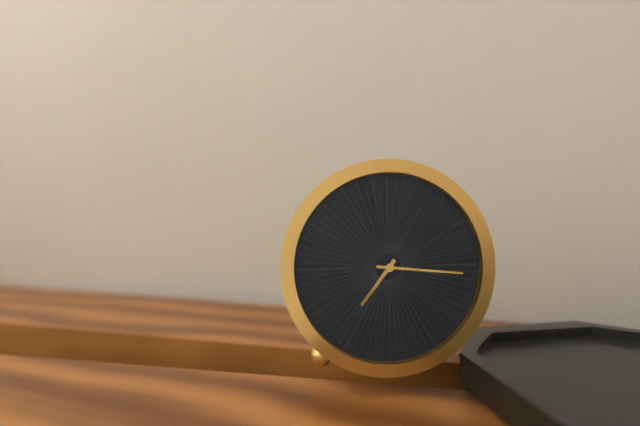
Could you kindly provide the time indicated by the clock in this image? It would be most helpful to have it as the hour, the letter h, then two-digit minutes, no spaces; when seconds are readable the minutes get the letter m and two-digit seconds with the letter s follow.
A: 7h16
